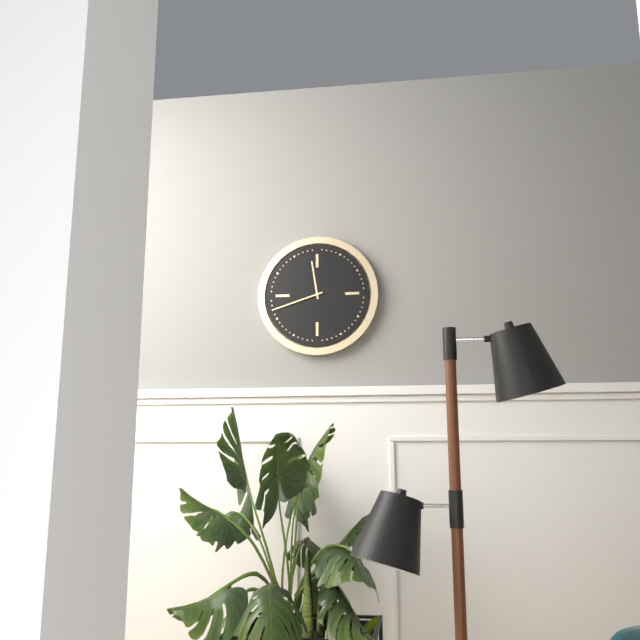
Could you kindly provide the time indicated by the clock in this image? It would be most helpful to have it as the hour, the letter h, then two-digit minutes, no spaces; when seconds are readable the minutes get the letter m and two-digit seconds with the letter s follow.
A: 11h42
